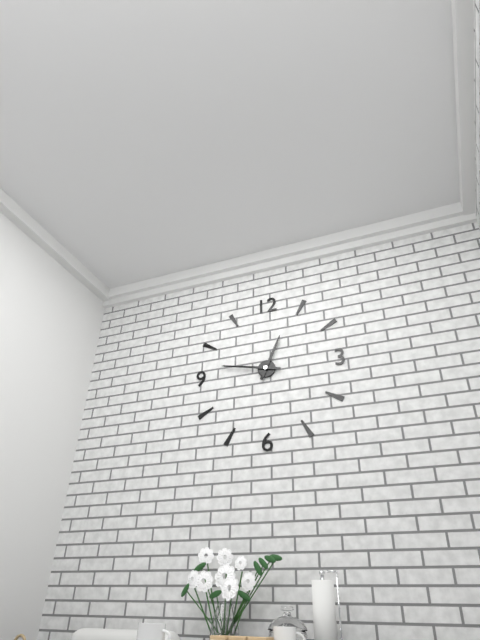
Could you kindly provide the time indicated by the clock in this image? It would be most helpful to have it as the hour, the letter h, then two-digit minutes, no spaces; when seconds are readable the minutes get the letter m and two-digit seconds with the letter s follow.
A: 12h47
